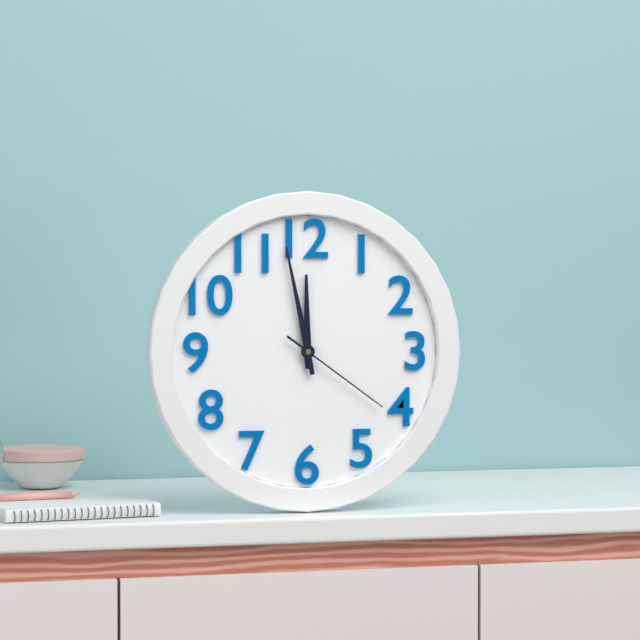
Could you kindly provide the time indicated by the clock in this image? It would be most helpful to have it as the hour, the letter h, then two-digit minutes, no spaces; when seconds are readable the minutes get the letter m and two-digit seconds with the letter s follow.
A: 11h58m21s
